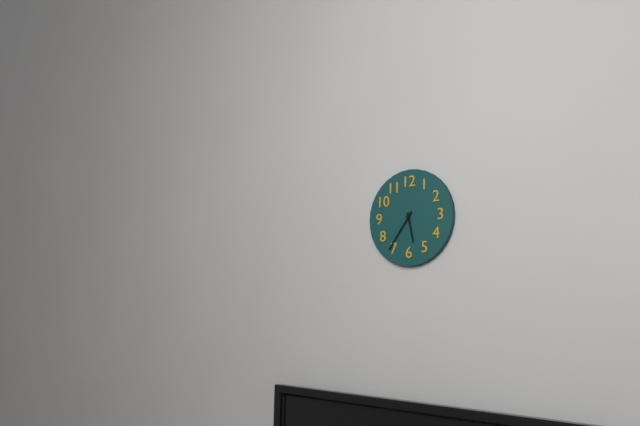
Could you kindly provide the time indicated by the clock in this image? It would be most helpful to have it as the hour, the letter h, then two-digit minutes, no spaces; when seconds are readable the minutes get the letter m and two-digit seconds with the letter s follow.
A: 5h36
